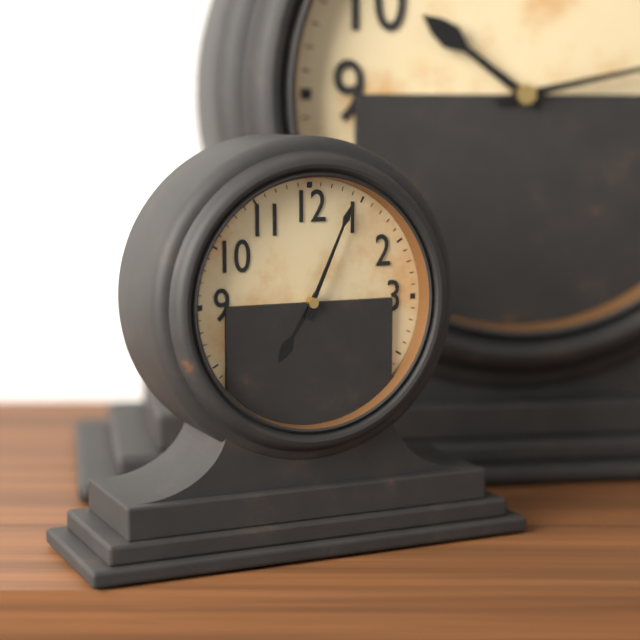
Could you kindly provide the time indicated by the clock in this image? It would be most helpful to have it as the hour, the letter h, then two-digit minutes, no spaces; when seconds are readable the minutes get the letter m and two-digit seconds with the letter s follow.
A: 7h04
